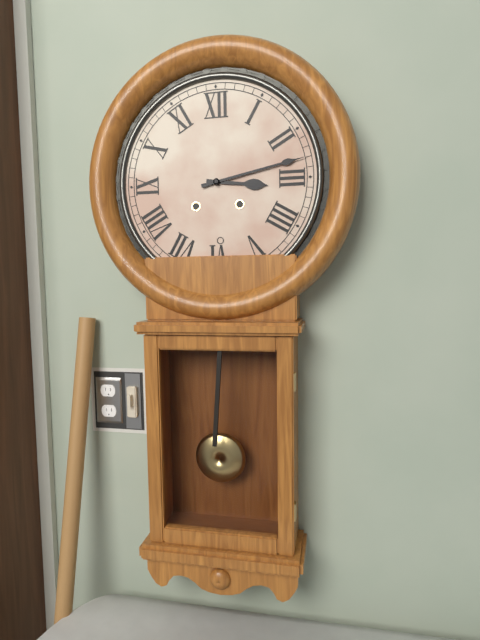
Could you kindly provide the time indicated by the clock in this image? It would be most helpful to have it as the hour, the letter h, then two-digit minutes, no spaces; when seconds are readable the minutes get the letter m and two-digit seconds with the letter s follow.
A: 3h13
